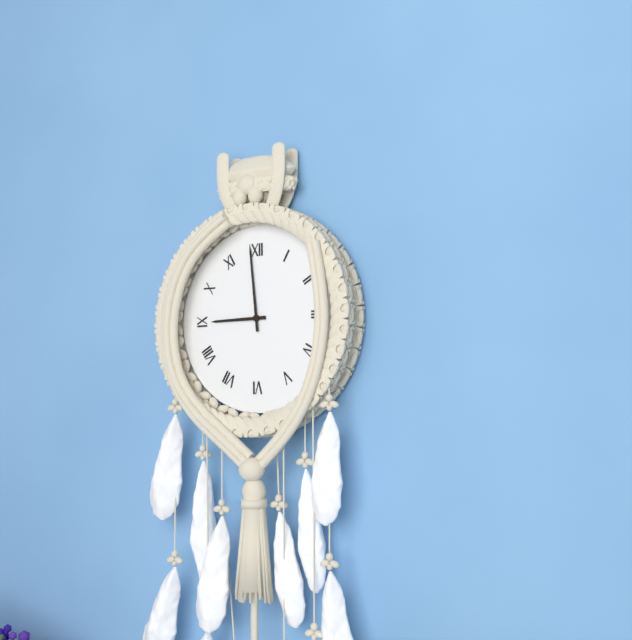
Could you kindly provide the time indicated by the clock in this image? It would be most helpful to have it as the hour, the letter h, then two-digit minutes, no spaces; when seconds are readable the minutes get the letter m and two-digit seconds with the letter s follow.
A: 8h59
